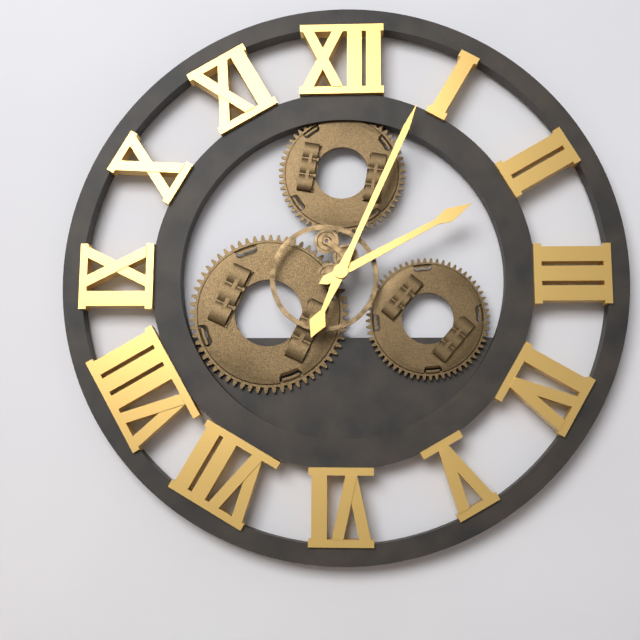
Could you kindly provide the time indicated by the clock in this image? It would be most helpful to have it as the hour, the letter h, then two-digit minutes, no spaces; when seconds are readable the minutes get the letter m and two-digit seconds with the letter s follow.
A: 2h04
